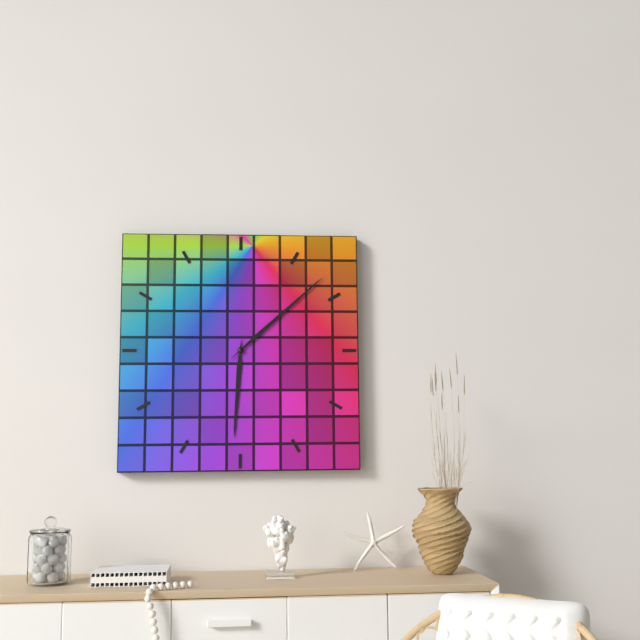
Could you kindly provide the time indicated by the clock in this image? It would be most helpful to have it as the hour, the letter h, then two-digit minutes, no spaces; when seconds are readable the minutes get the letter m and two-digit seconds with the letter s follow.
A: 6h08
